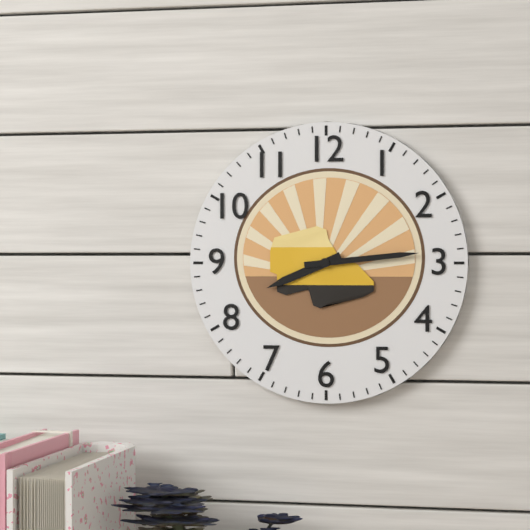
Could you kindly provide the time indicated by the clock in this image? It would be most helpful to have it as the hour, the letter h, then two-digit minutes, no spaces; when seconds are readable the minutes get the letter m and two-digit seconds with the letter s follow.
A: 8h14
